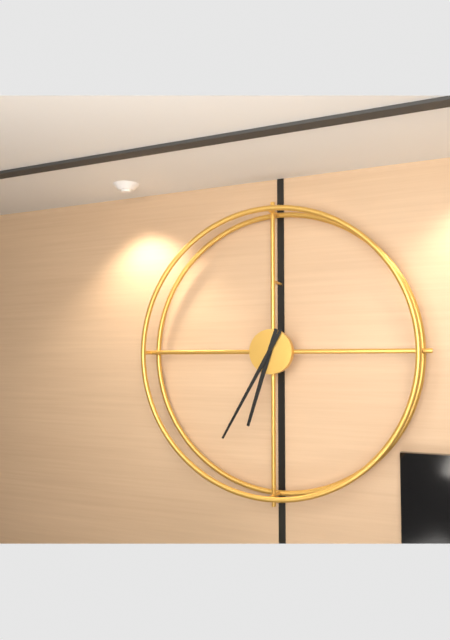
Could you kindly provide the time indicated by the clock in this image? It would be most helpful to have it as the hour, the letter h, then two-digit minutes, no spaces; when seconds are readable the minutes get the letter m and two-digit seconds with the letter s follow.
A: 6h35
